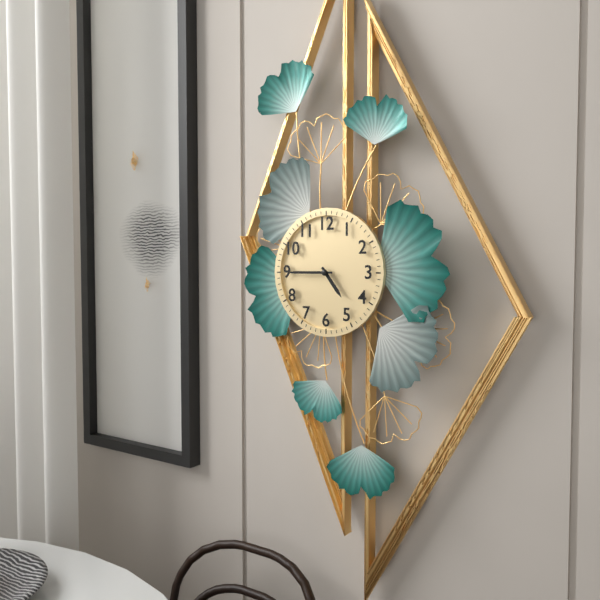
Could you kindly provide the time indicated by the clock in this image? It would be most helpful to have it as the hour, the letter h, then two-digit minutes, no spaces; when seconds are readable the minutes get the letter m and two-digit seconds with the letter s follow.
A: 4h45
